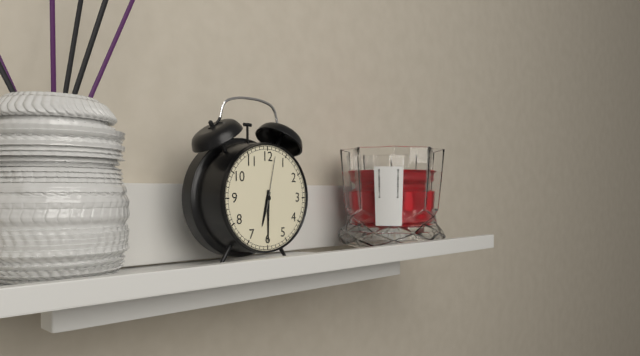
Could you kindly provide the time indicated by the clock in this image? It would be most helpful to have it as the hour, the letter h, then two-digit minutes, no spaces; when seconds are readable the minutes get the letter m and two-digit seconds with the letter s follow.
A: 6h30m02s
